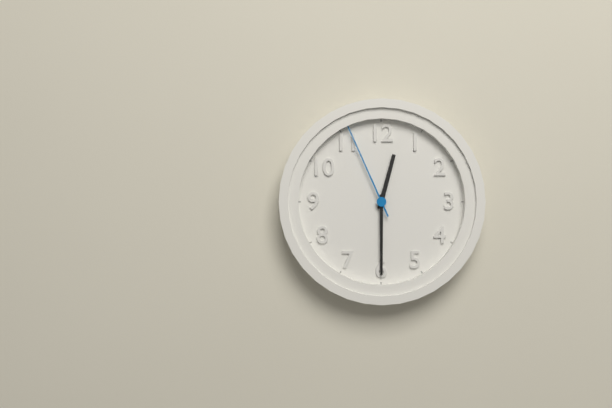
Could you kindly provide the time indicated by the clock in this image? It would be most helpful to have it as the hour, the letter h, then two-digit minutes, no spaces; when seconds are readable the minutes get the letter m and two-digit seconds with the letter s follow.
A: 12h30m56s
